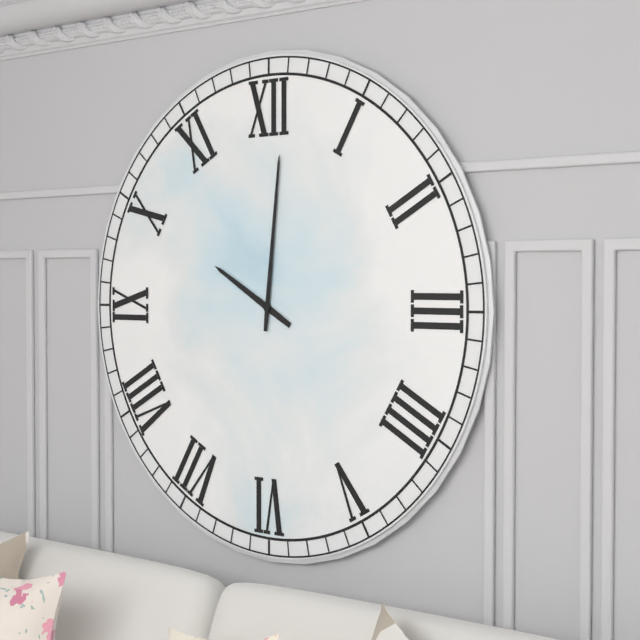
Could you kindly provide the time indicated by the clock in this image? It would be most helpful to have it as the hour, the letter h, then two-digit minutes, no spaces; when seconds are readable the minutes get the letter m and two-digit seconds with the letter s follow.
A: 10h01
